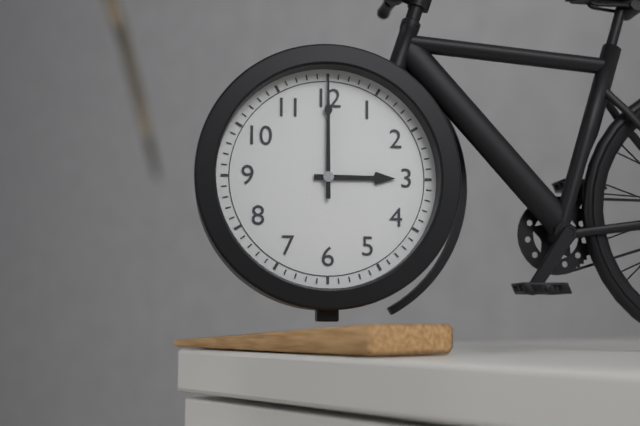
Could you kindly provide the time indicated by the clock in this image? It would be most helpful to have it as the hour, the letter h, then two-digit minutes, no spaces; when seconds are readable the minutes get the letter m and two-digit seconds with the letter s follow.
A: 3h00
